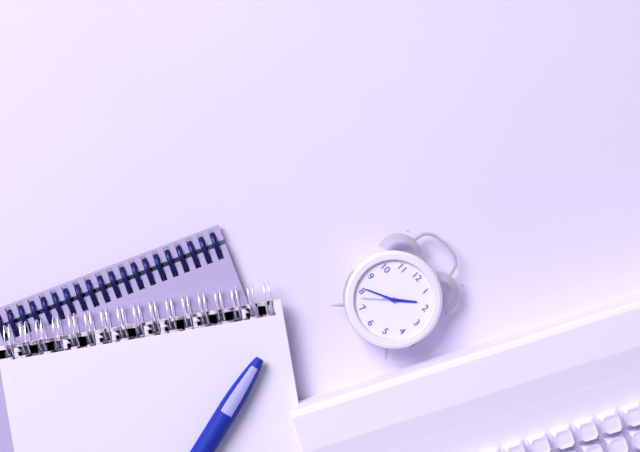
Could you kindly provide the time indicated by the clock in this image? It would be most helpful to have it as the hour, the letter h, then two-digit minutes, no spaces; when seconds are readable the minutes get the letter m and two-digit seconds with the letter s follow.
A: 1h41
